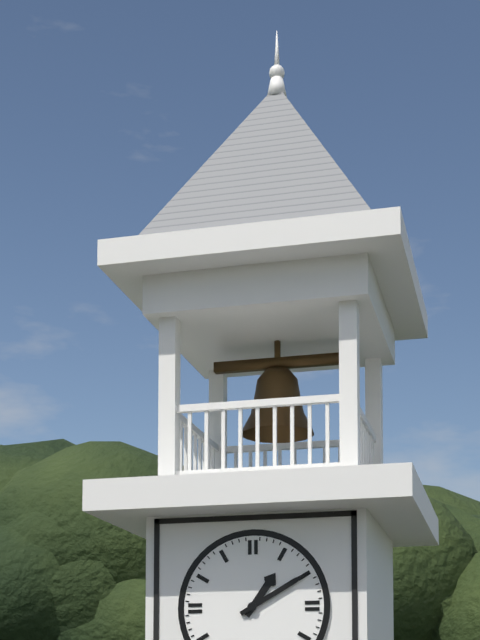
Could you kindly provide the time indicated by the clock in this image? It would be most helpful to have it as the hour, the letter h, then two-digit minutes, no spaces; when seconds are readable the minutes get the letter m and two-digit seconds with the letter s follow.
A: 1h10
